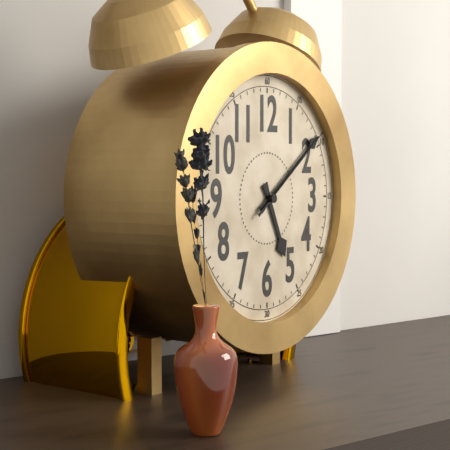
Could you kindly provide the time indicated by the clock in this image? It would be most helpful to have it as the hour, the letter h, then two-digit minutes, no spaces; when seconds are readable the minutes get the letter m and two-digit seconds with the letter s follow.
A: 5h09m09s
